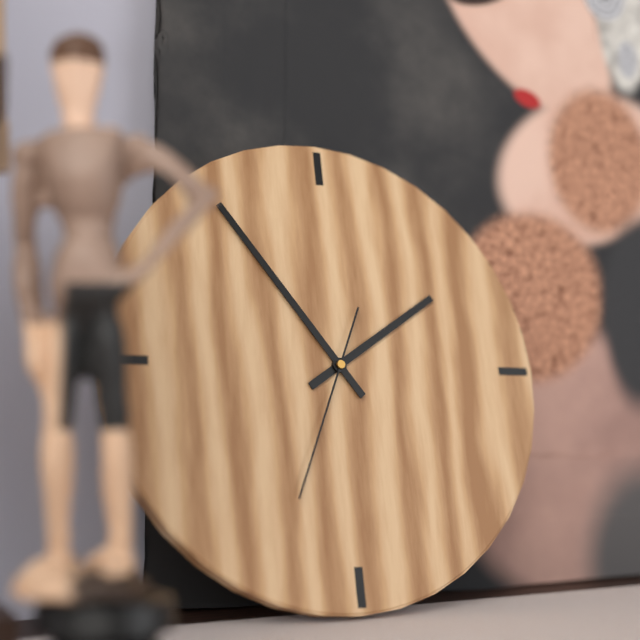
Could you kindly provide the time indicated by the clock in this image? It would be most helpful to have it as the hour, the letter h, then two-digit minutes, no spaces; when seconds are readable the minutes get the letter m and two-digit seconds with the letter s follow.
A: 1h54m34s
